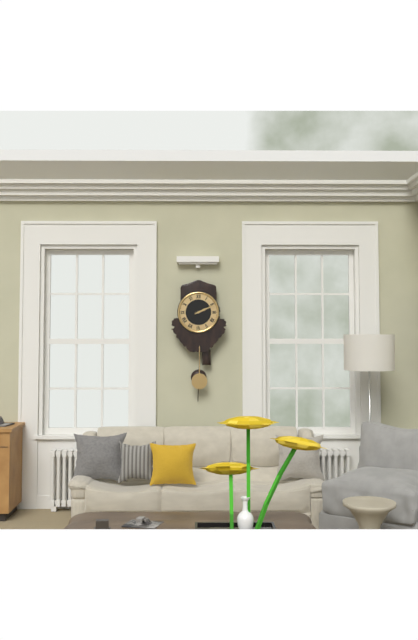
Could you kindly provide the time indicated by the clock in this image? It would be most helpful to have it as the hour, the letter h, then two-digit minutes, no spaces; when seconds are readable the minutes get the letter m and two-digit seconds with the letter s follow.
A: 2h11
